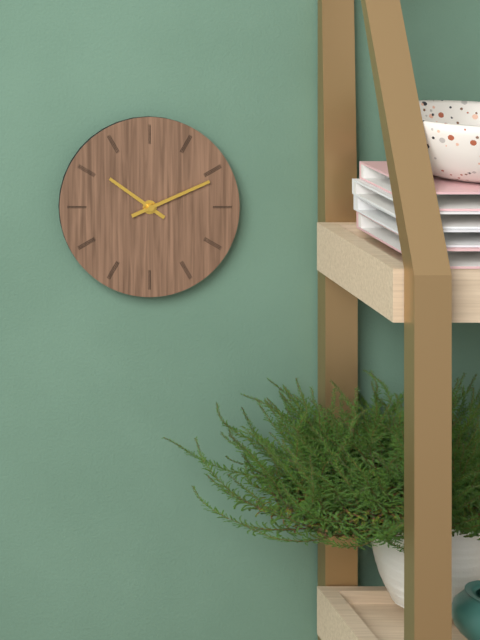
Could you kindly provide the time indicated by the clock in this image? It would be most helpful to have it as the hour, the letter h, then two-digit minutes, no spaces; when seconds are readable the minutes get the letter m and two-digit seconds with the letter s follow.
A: 10h11
